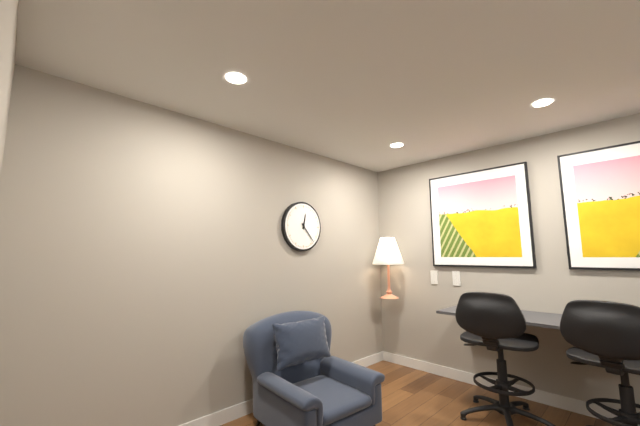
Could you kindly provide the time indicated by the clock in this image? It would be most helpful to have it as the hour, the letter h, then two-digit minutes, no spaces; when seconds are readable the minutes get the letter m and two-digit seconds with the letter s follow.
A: 12h23
